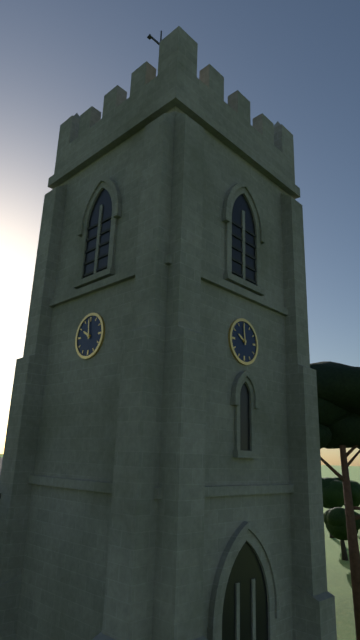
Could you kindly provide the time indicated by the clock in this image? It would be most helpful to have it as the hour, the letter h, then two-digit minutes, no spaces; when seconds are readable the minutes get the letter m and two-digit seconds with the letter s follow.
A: 9h59
